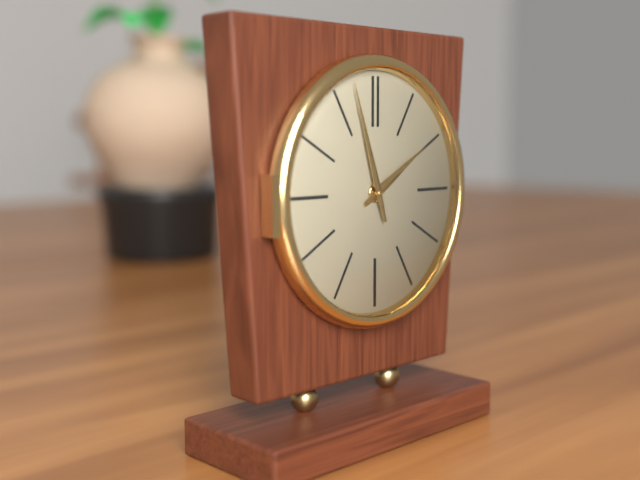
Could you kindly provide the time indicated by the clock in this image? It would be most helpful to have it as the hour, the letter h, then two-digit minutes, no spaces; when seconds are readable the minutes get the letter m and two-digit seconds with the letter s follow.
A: 1h57
